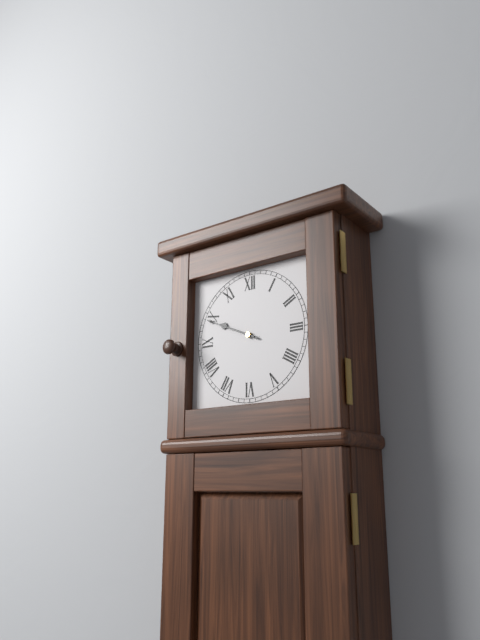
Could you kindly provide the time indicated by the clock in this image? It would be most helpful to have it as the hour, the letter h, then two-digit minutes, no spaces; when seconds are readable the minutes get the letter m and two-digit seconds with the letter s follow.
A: 9h49
